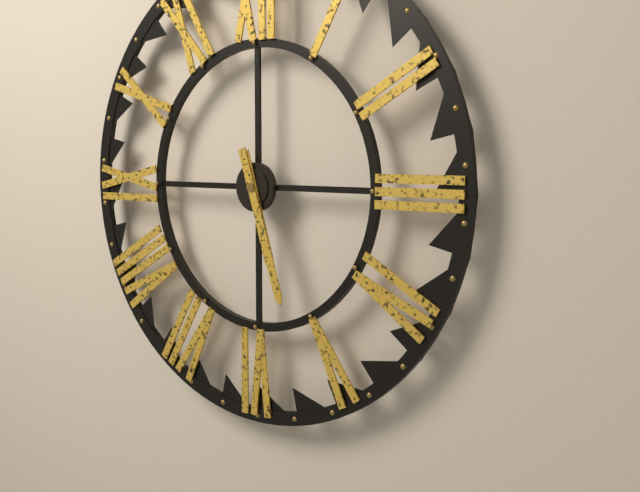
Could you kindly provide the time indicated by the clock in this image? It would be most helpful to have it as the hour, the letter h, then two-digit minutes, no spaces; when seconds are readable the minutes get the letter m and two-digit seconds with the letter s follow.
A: 5h27
